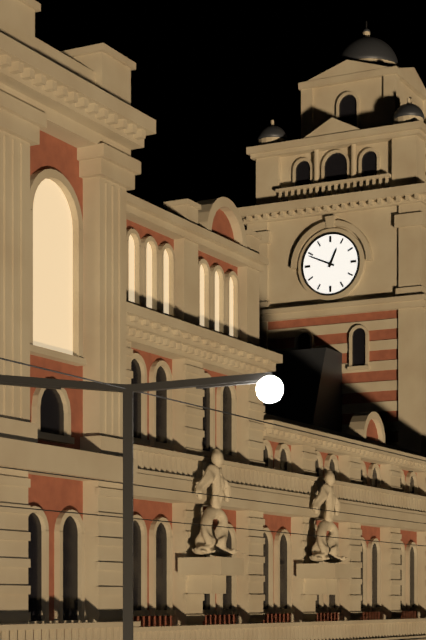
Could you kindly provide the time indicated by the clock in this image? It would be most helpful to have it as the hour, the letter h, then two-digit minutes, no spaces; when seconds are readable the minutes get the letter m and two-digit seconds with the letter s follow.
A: 12h49
